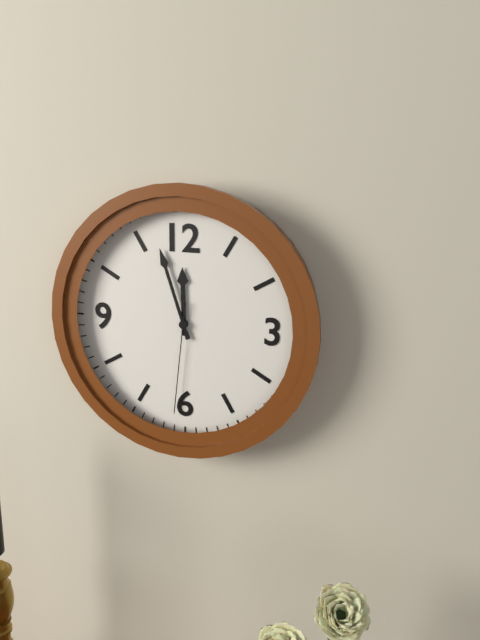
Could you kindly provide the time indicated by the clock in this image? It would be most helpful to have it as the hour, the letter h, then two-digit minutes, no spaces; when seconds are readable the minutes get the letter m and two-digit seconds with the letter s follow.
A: 11h57m31s
